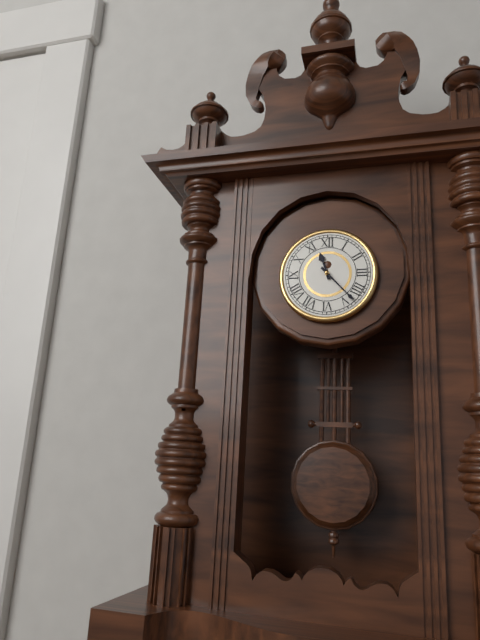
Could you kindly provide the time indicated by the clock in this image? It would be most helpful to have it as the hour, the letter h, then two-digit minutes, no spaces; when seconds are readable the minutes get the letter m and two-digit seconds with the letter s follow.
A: 11h23
